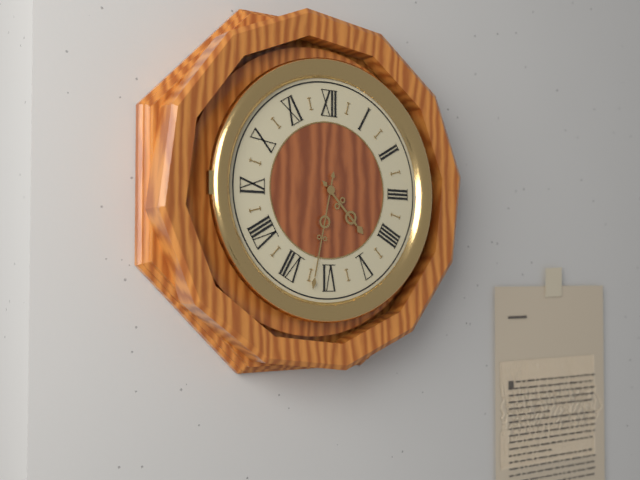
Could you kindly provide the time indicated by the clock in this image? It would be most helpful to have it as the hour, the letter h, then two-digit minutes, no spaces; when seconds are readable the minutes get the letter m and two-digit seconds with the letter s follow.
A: 4h32
